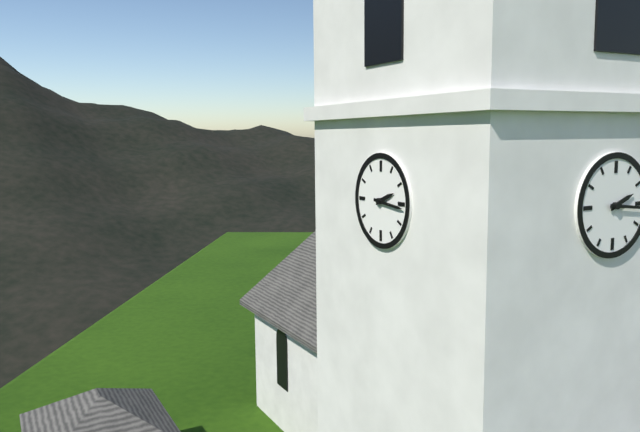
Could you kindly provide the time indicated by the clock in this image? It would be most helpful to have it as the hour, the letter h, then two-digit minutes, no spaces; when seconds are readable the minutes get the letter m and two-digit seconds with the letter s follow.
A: 2h16
